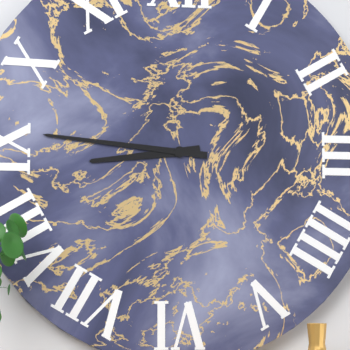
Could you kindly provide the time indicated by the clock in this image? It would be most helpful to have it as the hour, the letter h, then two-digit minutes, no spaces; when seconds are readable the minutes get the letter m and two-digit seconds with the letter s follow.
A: 8h46
